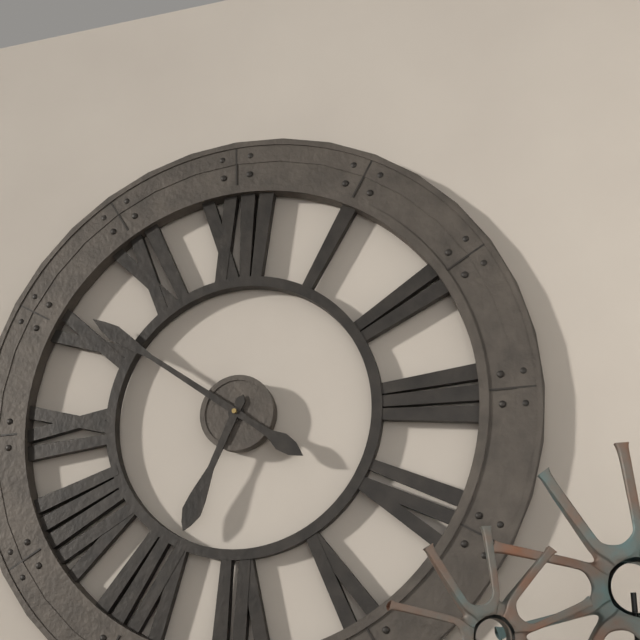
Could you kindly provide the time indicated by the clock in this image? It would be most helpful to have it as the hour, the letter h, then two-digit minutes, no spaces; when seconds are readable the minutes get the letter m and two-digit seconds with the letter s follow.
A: 6h51
